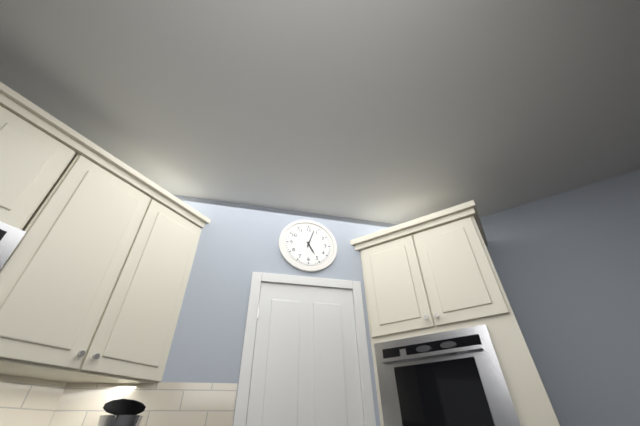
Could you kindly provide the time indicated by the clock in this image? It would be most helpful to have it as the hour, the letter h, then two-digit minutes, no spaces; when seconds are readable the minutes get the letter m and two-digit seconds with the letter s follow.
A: 5h03
